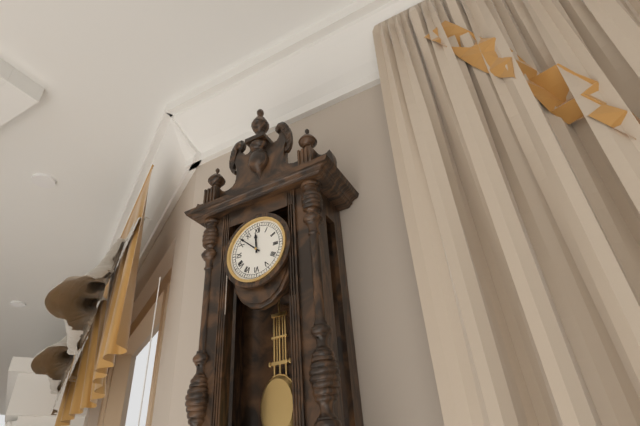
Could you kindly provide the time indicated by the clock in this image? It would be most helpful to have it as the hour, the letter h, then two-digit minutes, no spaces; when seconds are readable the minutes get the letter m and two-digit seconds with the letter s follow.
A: 11h52
